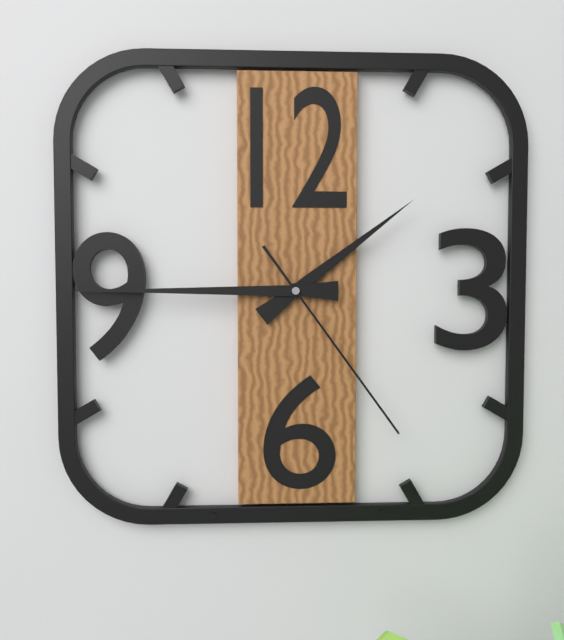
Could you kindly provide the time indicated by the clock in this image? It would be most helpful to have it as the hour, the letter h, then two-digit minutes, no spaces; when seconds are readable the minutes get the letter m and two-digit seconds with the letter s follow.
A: 1h45m24s
